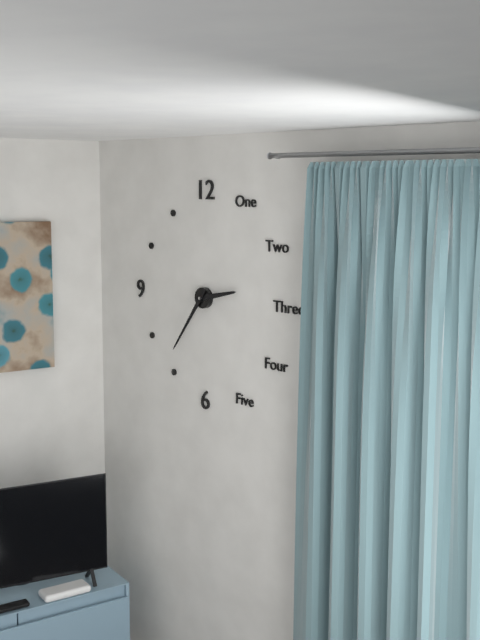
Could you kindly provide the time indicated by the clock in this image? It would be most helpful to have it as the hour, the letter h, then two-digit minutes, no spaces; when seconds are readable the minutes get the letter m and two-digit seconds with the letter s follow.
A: 2h36
